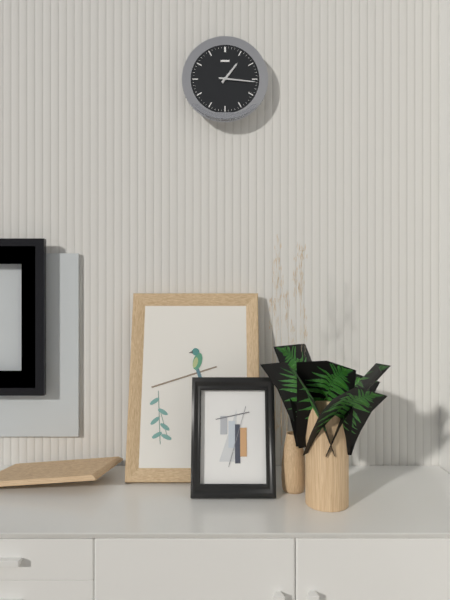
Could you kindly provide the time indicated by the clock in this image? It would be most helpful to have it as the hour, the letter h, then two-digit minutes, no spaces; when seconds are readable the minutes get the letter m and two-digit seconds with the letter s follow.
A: 1h16
